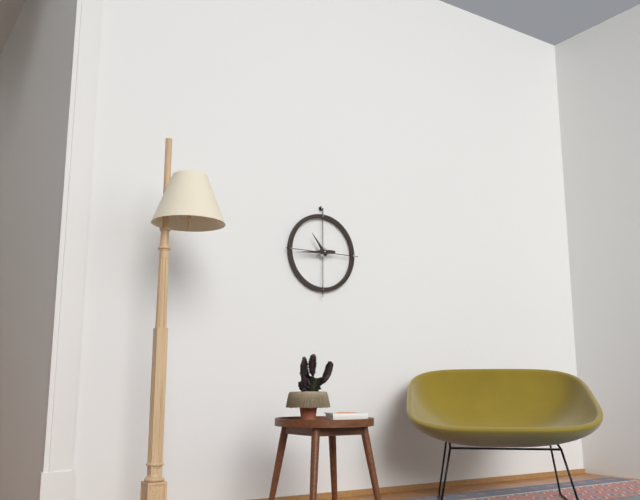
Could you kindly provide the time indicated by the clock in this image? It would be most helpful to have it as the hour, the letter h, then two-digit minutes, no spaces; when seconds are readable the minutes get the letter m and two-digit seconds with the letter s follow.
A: 10h44
